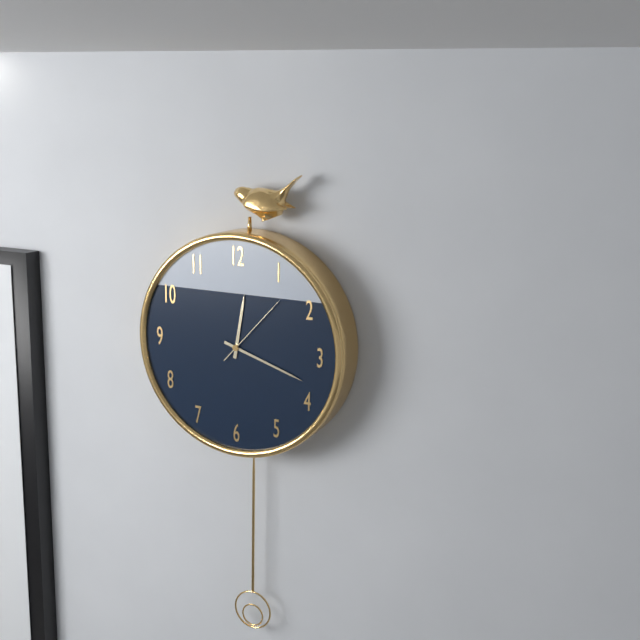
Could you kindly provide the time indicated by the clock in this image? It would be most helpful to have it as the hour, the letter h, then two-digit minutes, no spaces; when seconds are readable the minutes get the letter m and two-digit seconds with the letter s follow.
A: 12h18m07s
